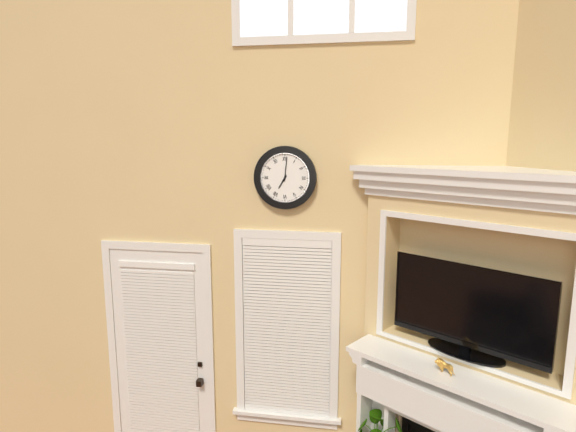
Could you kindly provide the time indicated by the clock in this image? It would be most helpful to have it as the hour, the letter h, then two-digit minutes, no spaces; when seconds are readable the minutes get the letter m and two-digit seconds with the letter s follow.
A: 7h01
